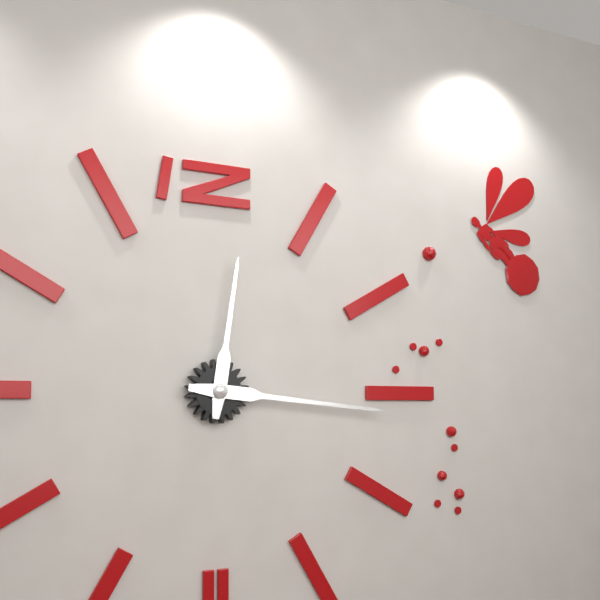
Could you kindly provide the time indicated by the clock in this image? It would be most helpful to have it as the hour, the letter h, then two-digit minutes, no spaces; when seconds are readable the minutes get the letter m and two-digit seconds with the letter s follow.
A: 12h16
